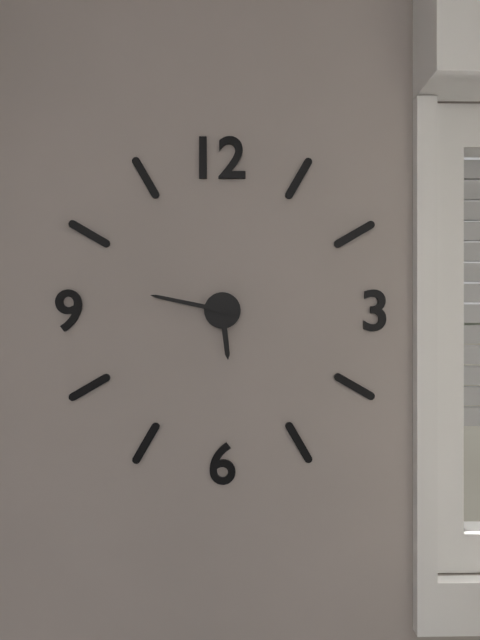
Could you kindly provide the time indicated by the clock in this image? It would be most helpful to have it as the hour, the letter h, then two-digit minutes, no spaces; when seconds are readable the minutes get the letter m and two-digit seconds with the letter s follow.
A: 5h47
